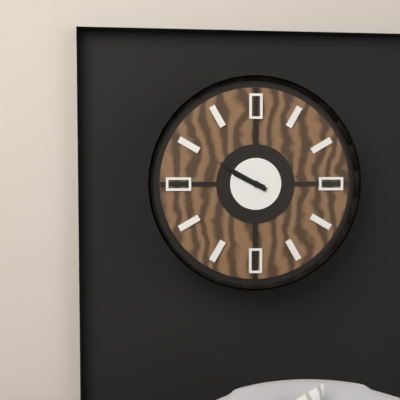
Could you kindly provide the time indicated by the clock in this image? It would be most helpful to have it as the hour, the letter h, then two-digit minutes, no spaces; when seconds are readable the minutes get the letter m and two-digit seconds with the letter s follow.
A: 9h50
